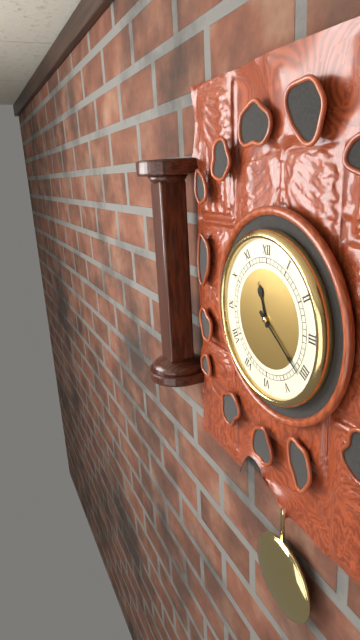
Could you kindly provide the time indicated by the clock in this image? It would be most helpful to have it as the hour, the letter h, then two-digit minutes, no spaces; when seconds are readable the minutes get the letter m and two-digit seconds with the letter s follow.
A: 11h21
